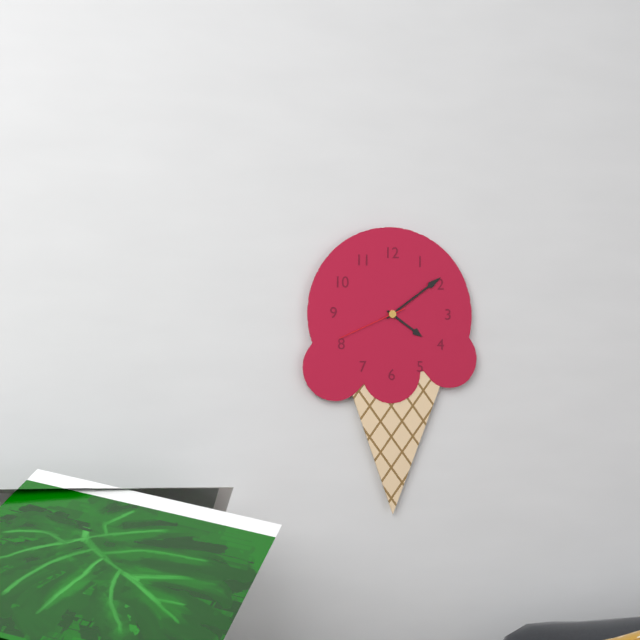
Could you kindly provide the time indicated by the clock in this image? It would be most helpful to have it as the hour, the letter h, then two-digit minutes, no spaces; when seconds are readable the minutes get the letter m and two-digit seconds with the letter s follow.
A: 4h09m41s
